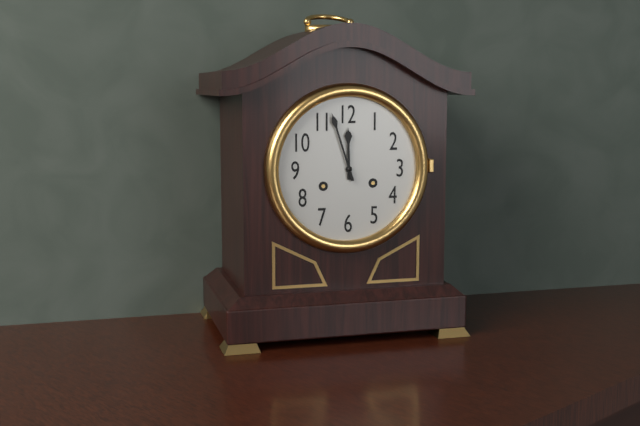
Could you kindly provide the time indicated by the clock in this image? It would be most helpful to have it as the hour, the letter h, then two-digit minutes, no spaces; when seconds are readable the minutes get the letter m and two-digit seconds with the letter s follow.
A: 11h57
